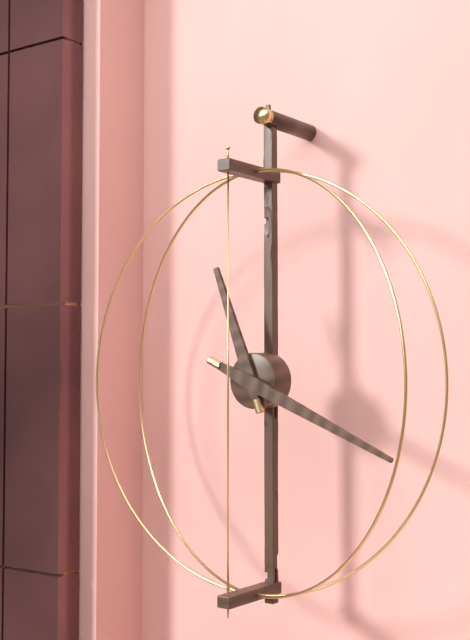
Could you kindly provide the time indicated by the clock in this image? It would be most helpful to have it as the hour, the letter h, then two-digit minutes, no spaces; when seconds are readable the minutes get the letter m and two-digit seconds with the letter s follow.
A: 11h19
